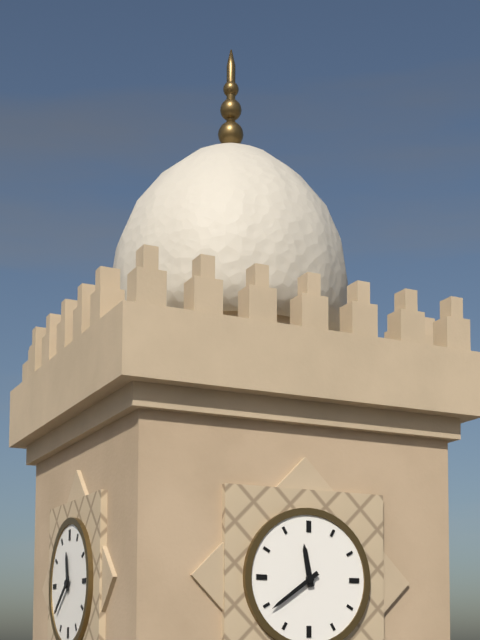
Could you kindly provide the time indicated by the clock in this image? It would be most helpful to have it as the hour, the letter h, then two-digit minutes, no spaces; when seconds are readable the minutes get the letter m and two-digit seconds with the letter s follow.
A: 11h39
